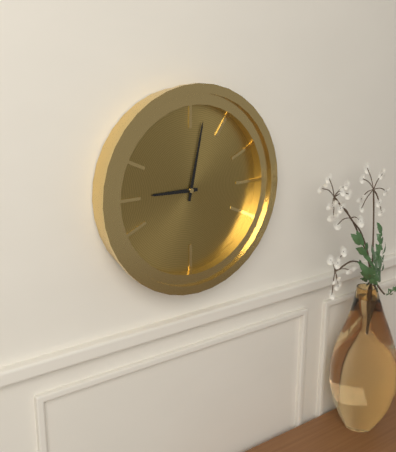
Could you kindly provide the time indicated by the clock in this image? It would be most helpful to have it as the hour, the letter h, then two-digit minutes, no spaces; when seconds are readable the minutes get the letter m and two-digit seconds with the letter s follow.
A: 9h02
